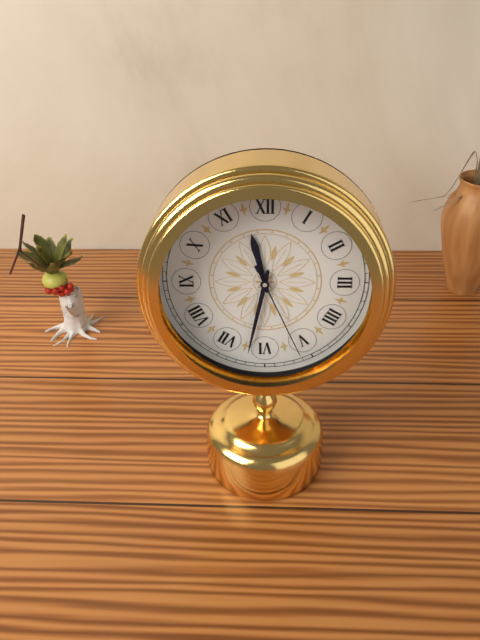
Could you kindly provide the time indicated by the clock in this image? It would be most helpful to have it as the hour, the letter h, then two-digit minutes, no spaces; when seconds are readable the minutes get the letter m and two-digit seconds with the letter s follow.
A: 11h32m26s
